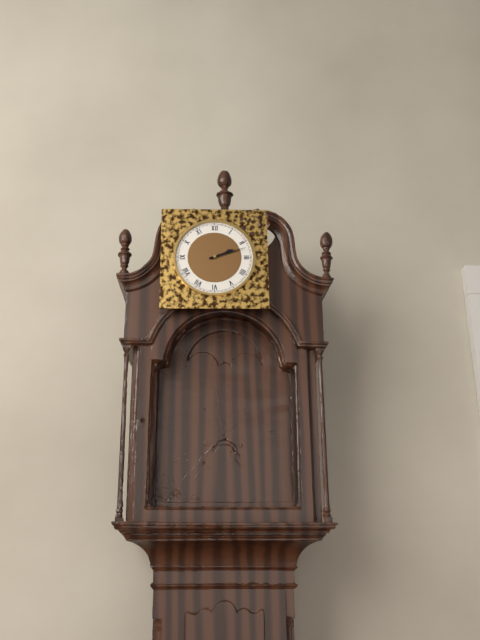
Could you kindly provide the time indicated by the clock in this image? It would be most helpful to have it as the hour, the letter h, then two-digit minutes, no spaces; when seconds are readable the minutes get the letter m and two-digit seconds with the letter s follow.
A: 2h12
